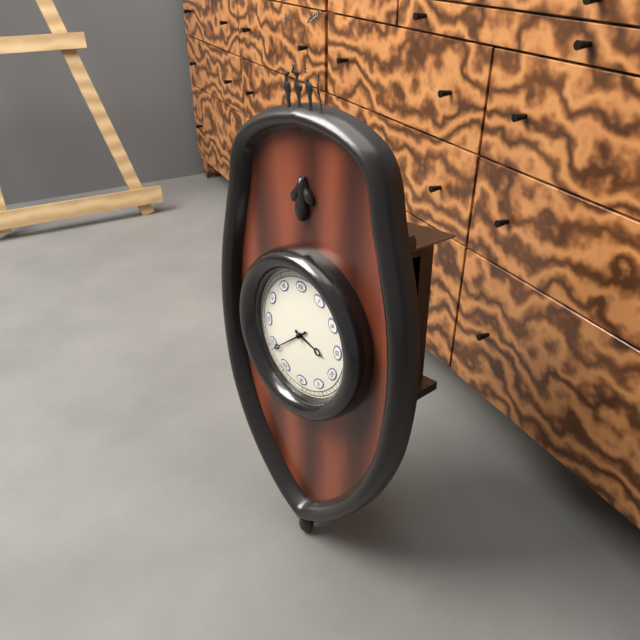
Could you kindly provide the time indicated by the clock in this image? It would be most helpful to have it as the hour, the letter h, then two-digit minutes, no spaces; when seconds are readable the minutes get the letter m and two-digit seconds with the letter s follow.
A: 3h39
